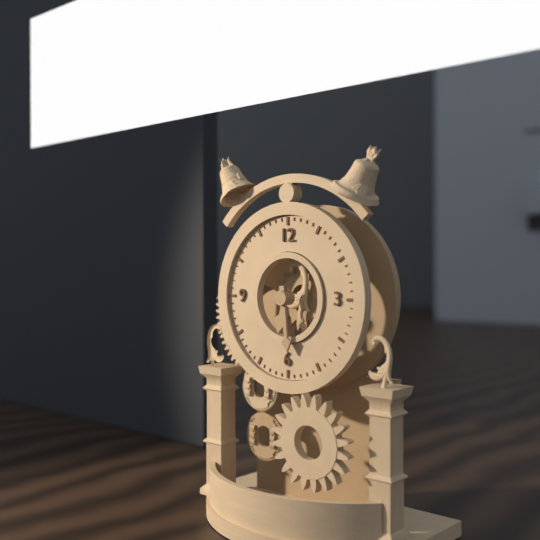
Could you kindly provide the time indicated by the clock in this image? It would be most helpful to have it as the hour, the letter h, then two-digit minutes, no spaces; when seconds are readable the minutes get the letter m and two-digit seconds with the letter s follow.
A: 6h29
